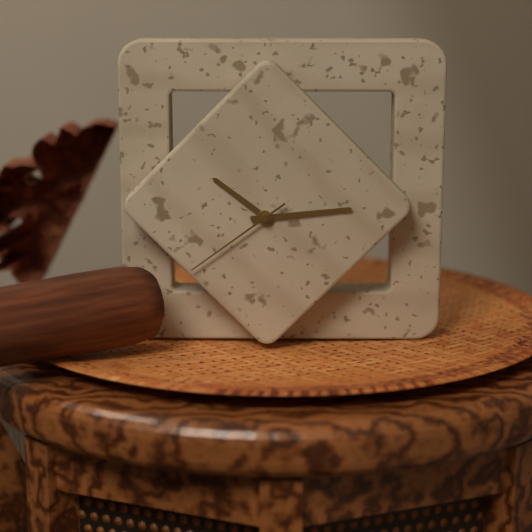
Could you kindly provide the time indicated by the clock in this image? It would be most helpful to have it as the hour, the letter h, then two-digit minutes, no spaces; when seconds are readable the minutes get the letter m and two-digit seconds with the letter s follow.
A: 10h14m39s
